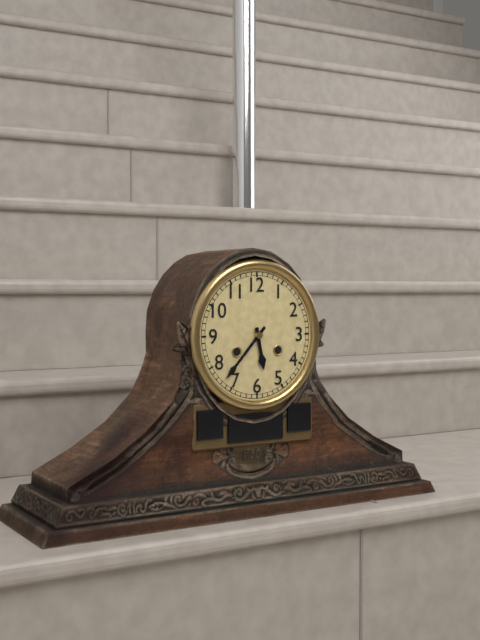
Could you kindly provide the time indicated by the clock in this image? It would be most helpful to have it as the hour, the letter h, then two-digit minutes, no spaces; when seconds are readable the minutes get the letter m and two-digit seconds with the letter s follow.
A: 5h37
